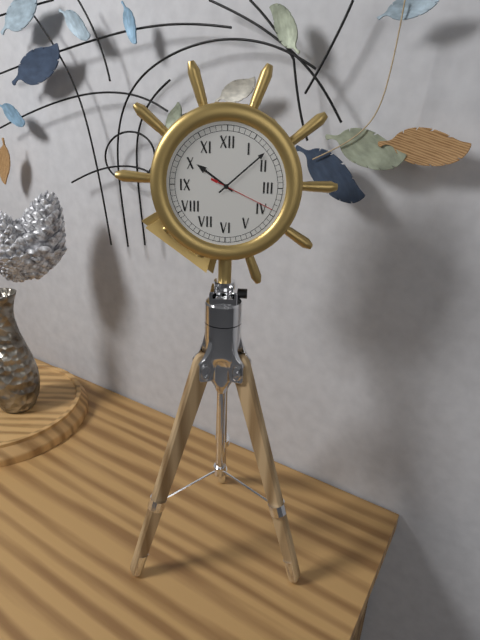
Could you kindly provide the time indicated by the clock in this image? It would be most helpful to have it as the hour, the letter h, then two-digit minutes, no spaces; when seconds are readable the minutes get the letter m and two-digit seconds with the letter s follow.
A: 10h08m19s
